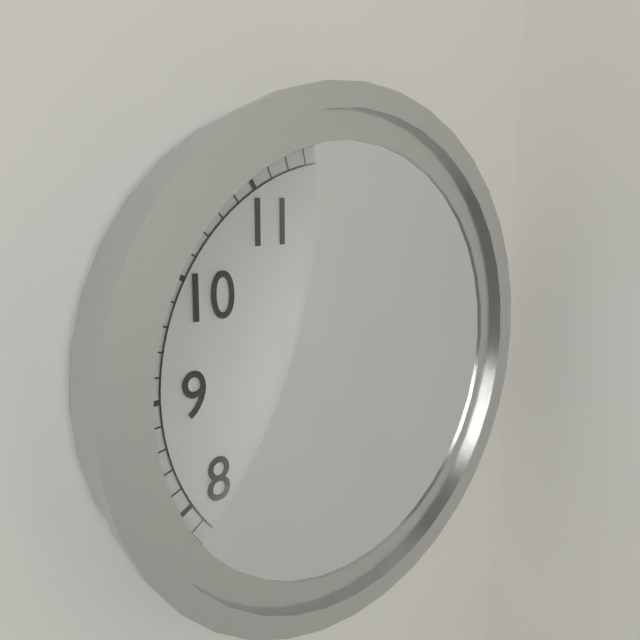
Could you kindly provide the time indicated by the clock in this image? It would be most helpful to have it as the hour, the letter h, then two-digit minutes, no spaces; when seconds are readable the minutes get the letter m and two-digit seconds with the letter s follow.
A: 4h10
